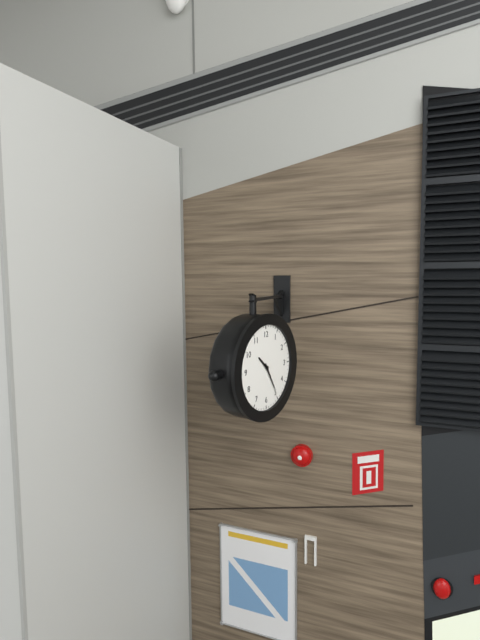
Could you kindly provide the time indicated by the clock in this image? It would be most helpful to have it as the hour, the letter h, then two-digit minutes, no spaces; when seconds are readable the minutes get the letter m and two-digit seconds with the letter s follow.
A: 10h25
